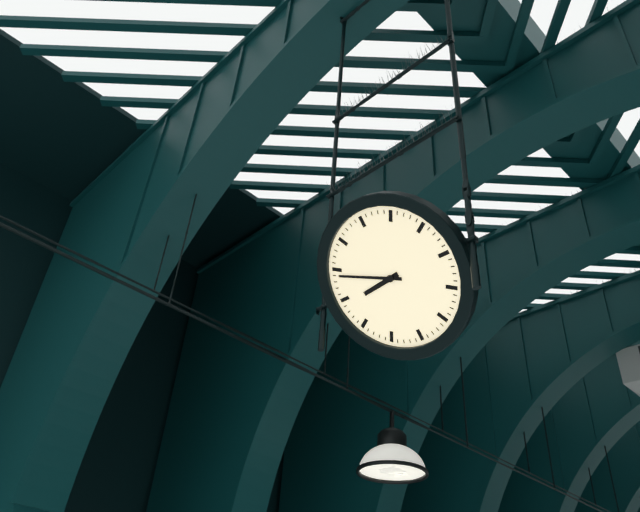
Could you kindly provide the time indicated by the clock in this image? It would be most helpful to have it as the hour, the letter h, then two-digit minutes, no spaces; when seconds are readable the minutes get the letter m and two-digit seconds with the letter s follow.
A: 8h49
